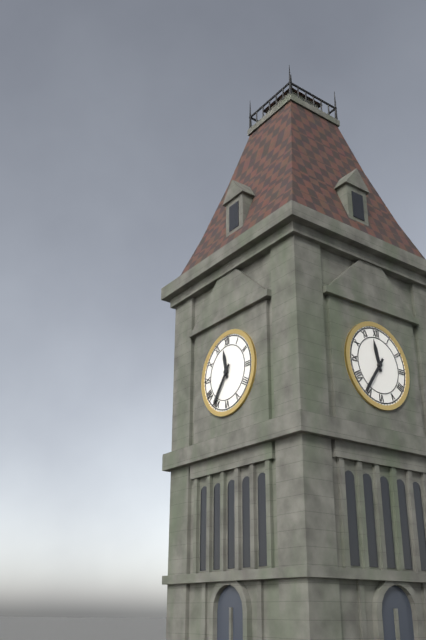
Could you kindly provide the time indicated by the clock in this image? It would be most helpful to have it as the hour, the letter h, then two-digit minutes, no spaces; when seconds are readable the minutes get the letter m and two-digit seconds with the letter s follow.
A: 11h36
